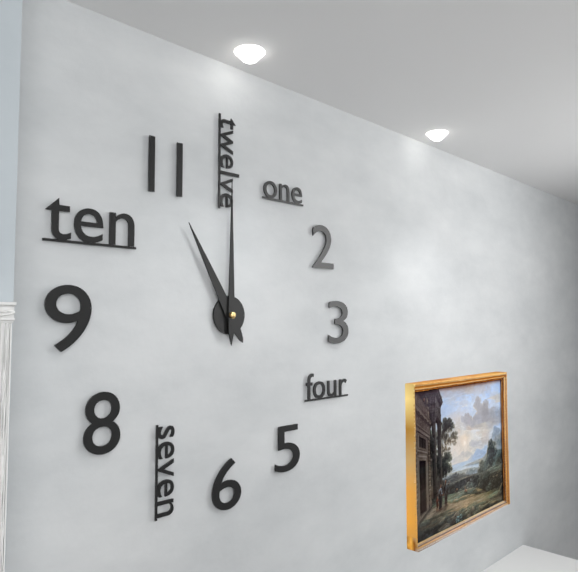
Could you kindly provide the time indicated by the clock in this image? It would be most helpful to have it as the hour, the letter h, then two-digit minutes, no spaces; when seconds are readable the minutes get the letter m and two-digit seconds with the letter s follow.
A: 11h00
